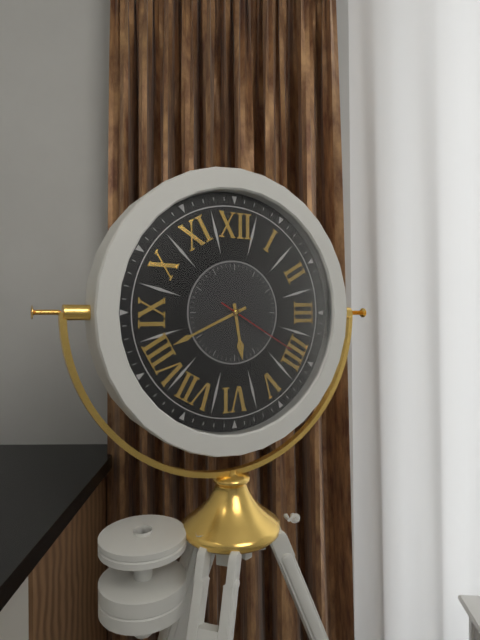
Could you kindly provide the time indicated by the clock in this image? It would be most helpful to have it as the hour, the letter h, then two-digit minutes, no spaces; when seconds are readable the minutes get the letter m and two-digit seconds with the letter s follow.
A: 5h41m20s
